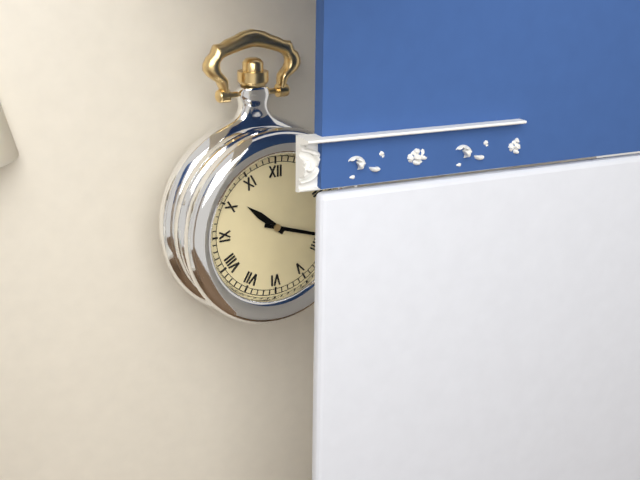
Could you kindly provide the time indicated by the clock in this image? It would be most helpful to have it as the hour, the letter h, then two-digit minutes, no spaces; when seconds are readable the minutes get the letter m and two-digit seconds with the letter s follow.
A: 10h18
